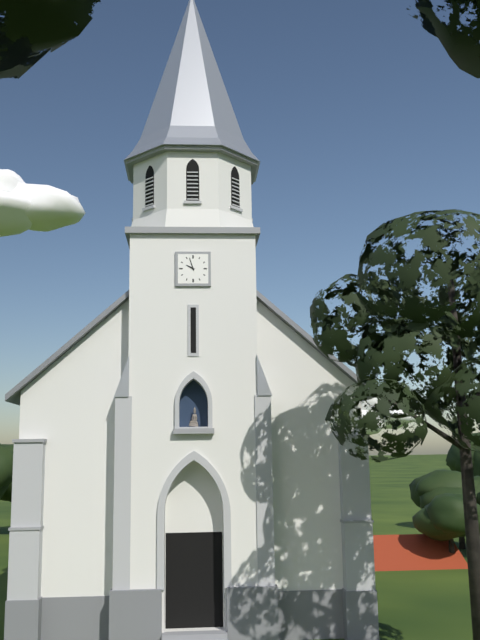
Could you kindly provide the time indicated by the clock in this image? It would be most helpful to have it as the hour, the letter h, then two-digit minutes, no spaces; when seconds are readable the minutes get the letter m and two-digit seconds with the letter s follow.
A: 9h57
